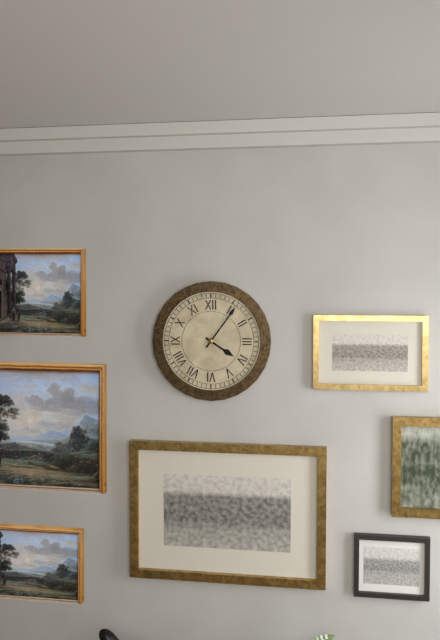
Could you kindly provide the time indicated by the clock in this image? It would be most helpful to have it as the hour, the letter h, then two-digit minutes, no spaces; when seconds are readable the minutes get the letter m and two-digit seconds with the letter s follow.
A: 4h06
